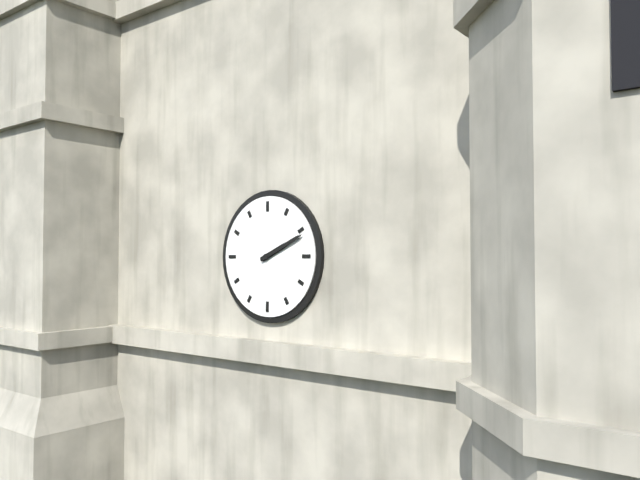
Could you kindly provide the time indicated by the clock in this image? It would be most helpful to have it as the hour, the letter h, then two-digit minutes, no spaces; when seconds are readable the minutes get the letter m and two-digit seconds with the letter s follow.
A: 2h11
